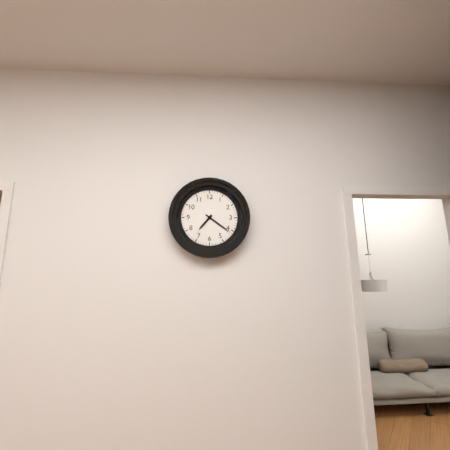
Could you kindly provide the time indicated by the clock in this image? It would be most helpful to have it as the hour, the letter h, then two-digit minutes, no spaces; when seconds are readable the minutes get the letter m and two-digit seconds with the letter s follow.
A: 7h21
